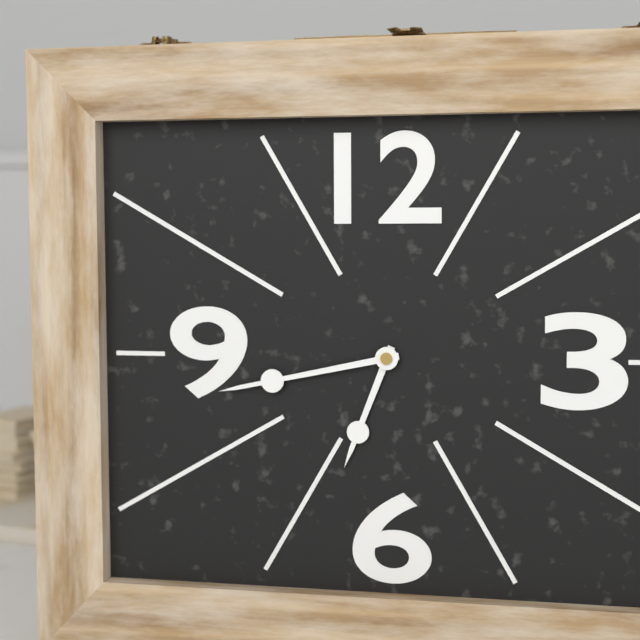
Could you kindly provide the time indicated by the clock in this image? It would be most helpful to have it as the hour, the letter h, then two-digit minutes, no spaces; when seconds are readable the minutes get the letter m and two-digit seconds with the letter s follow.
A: 6h43
